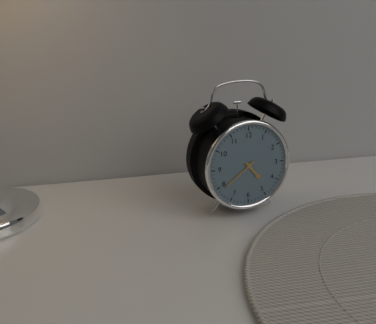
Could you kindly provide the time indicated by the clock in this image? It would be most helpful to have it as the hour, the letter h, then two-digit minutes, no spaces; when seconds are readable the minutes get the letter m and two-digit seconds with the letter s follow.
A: 4h39
